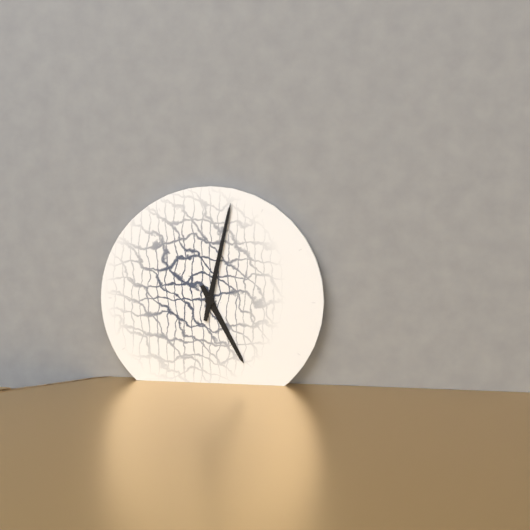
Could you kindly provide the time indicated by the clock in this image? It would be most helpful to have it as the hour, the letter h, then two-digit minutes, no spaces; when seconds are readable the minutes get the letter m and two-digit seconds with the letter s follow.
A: 5h02
